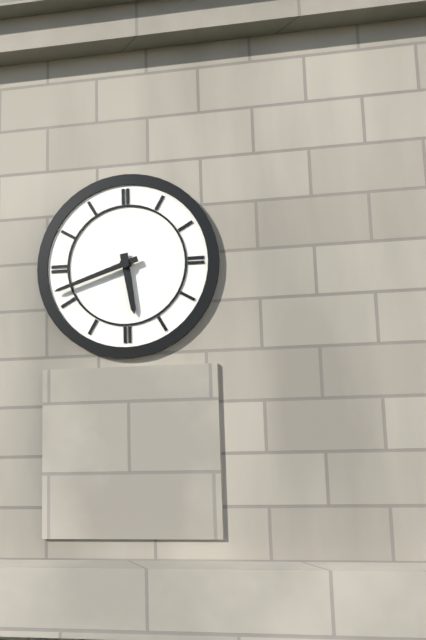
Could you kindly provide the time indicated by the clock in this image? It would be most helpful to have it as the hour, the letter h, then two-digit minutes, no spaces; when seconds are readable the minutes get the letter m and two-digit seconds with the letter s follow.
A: 5h42
